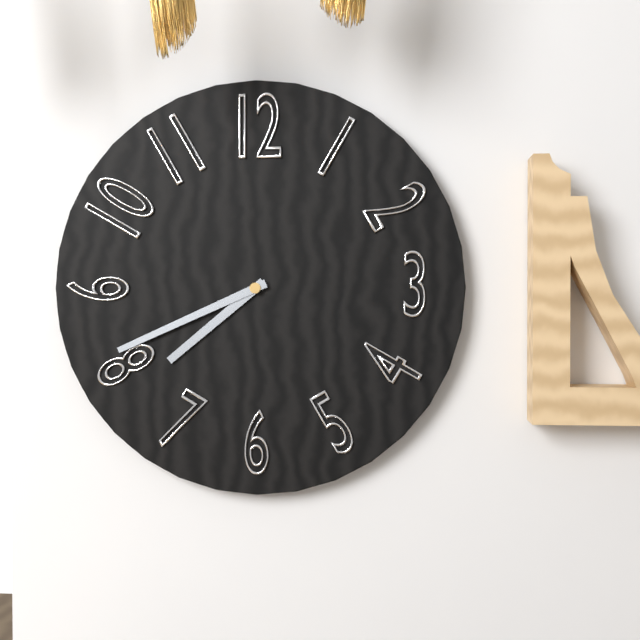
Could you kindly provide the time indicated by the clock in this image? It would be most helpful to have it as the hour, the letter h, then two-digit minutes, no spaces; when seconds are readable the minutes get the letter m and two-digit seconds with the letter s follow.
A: 7h41
